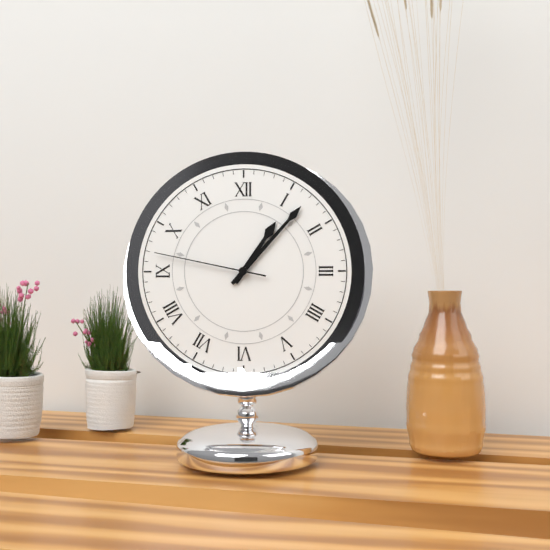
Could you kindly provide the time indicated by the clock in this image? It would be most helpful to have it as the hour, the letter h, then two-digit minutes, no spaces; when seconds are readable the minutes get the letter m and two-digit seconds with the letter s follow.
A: 1h07m47s
